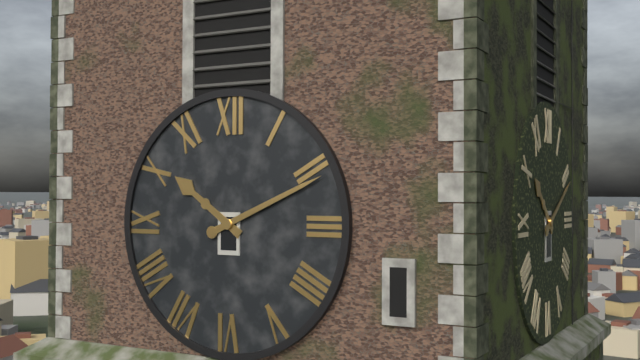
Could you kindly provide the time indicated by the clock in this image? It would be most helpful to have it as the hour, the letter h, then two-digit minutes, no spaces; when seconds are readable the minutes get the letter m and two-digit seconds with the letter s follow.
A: 10h11
